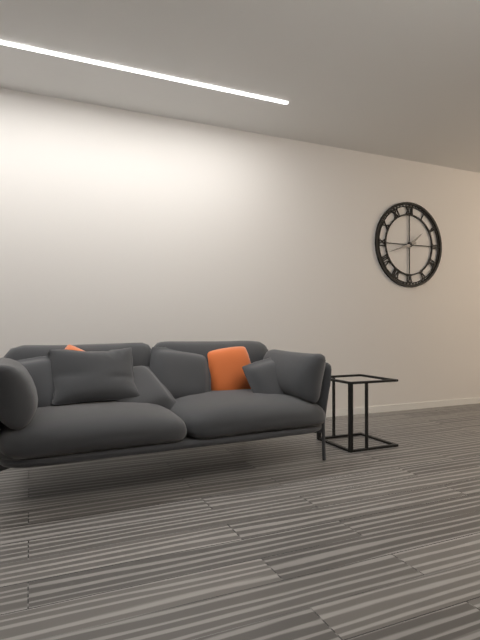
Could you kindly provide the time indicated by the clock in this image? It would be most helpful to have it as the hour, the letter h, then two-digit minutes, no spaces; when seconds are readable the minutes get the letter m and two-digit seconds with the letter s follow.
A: 1h42
